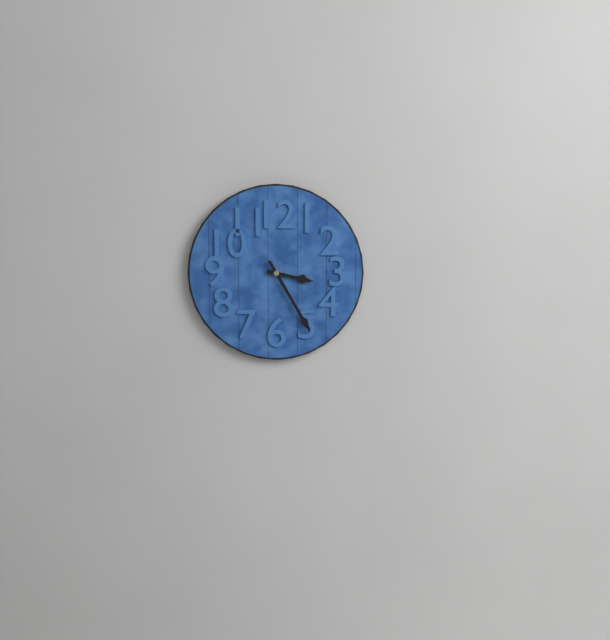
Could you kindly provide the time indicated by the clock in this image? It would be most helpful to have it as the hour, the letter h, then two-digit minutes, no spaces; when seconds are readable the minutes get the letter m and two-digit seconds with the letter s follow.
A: 3h25
